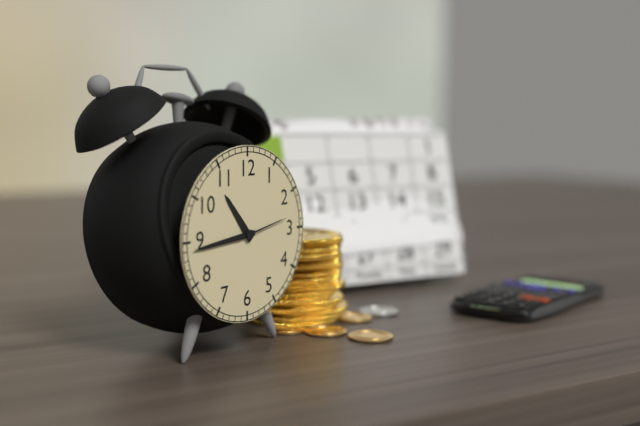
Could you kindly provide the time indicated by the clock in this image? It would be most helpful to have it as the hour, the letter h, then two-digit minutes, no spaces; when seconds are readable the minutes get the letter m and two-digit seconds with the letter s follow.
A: 10h44m13s
